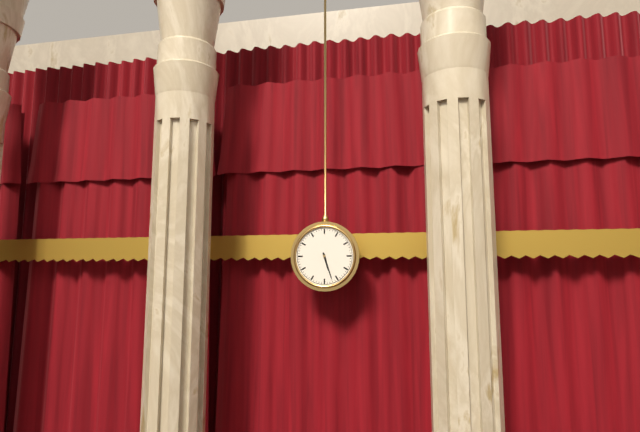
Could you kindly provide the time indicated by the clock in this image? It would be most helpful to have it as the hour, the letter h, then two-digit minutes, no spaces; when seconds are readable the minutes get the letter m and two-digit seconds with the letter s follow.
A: 5h27
